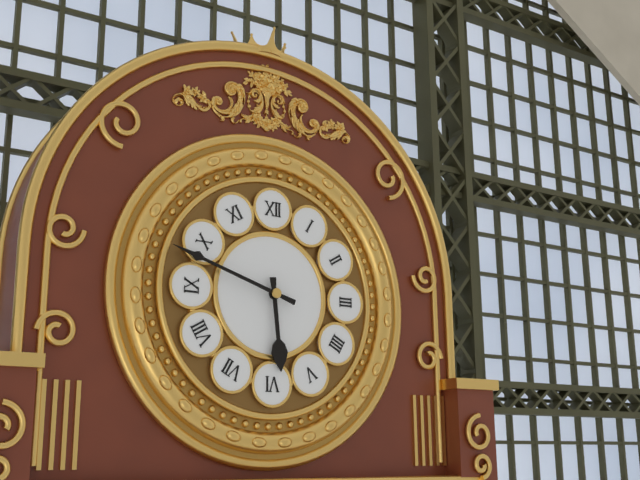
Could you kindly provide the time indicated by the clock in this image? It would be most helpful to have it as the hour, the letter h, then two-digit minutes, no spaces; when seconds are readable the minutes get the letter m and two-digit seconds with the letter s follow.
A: 5h48
